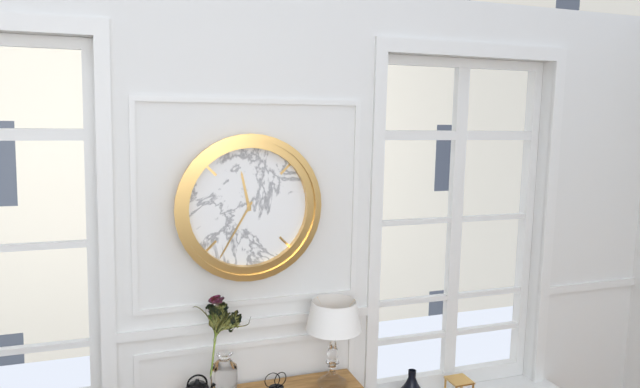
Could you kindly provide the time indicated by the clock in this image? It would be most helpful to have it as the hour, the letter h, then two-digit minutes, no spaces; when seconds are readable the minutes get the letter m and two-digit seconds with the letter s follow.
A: 11h35
